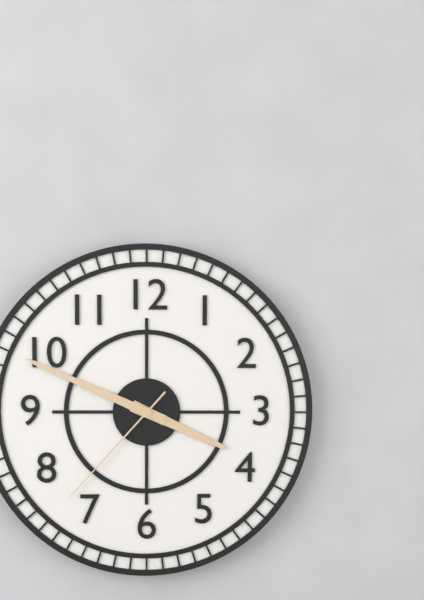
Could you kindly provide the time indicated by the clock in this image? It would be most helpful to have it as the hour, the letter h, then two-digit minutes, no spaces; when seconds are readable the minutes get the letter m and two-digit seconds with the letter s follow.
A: 3h49m37s
